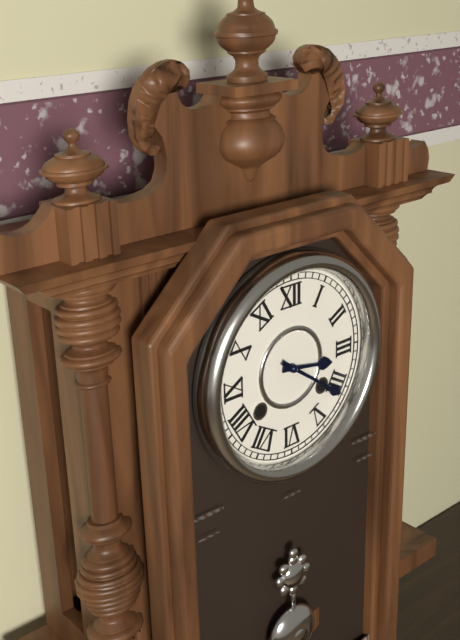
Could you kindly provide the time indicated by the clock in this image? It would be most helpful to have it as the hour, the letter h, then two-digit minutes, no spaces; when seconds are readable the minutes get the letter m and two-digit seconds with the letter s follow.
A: 3h21
